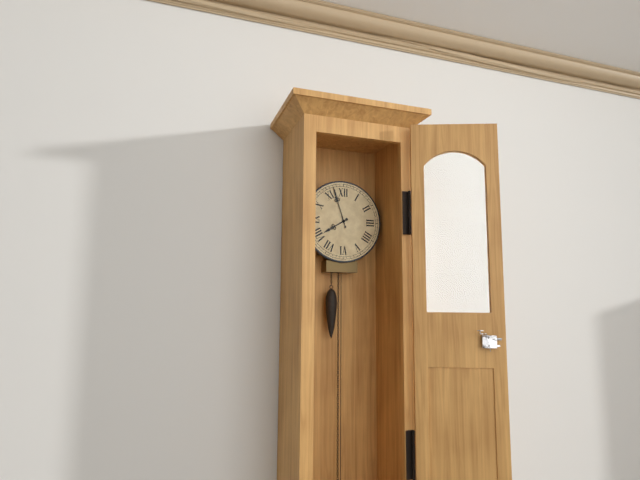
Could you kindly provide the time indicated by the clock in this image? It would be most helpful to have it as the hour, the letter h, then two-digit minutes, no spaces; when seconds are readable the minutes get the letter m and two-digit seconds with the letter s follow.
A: 7h57
